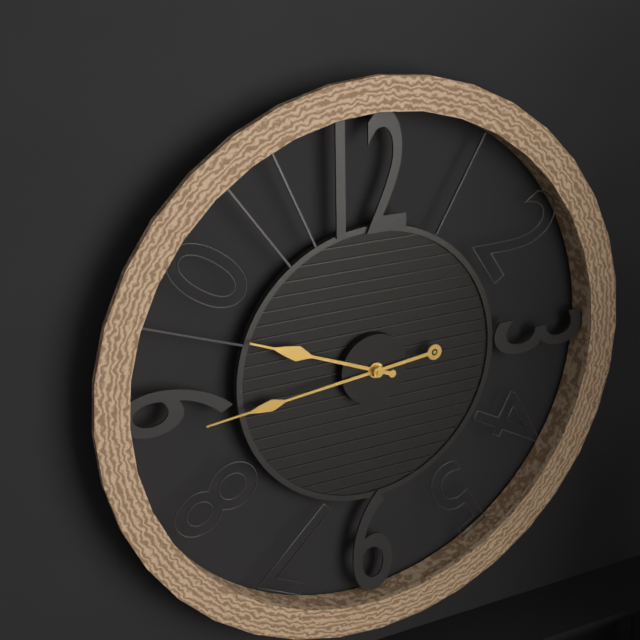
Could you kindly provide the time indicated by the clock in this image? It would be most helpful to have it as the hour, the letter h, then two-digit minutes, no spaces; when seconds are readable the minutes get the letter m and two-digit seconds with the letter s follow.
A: 9h44
